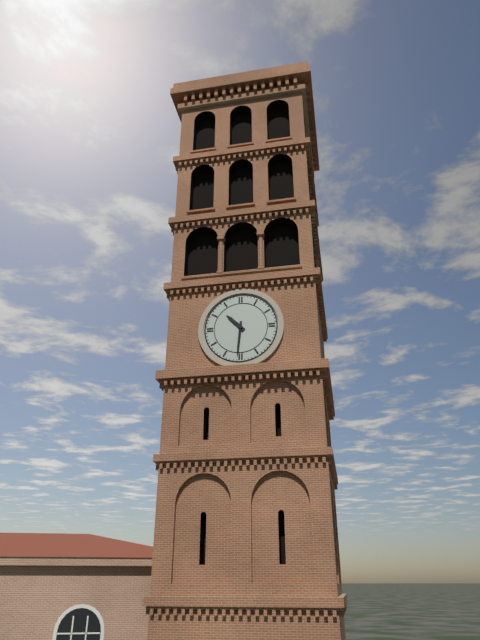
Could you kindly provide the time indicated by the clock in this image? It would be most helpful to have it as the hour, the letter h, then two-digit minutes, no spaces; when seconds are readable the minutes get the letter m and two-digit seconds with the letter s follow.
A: 10h31
